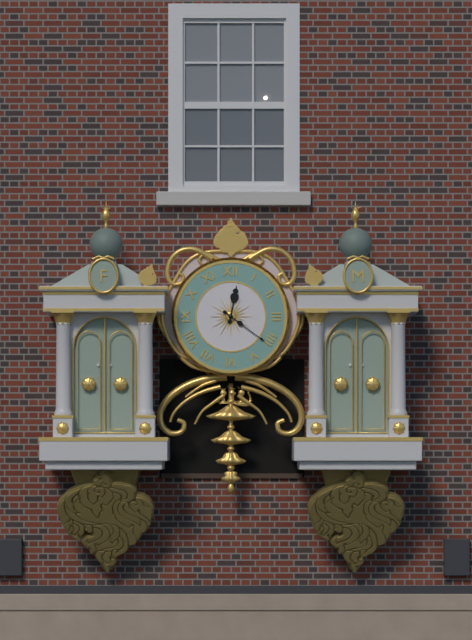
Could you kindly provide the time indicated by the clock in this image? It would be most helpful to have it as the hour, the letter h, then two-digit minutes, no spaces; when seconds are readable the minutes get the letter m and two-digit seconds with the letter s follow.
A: 12h21
